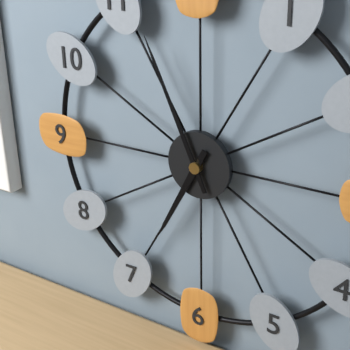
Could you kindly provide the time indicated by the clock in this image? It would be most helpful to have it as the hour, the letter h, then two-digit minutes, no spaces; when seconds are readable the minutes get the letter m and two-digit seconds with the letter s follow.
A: 6h56
